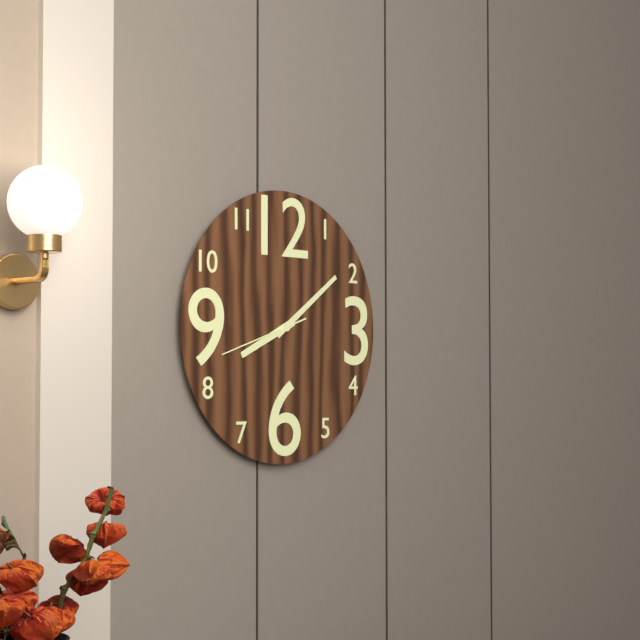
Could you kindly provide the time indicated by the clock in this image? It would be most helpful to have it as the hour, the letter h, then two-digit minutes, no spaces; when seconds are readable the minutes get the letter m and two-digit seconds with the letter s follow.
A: 8h09m42s
